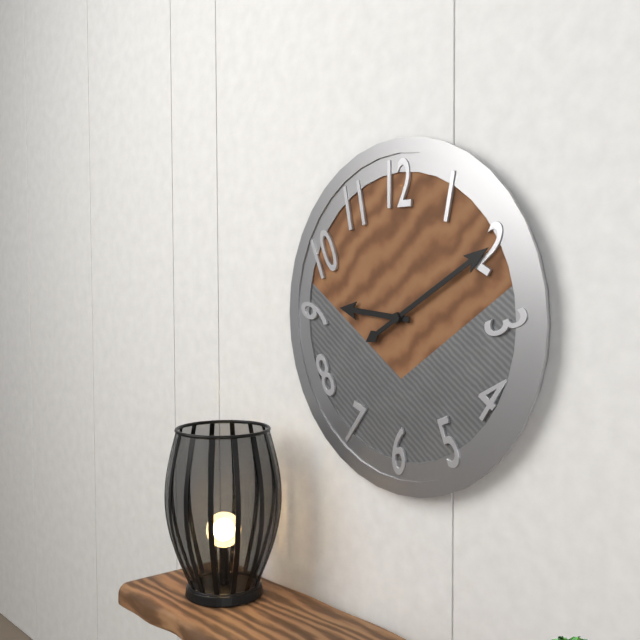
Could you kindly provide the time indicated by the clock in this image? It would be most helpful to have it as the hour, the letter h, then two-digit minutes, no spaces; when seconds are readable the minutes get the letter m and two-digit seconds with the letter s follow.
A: 9h10
